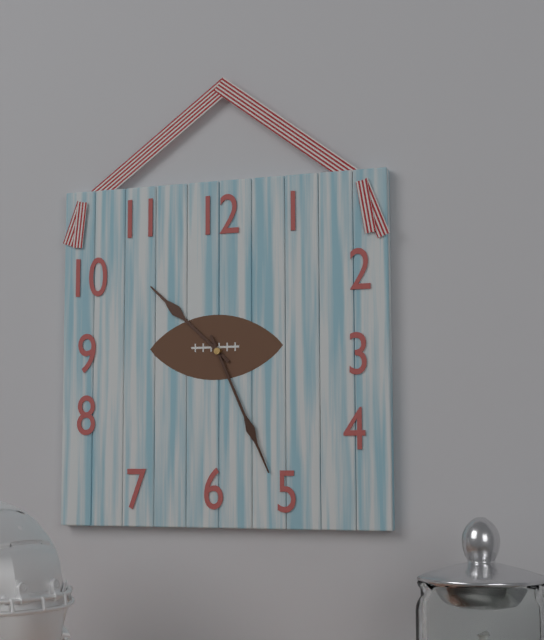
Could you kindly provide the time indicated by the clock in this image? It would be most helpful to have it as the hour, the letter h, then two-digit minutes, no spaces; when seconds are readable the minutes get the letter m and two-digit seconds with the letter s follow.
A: 10h26
